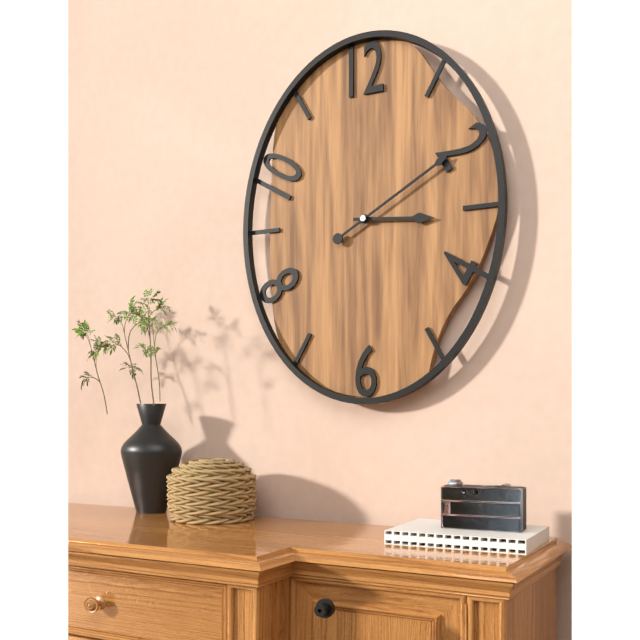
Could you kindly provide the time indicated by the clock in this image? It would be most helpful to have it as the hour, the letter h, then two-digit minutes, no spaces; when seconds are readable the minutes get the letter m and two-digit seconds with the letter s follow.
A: 3h10
